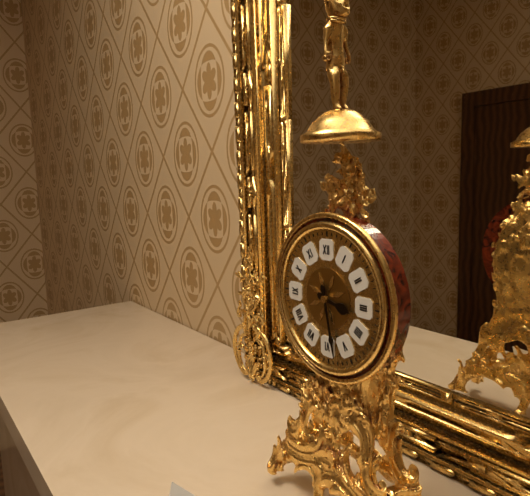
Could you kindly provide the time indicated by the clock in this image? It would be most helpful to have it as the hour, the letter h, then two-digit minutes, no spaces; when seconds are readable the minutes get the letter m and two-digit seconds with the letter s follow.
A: 3h28
